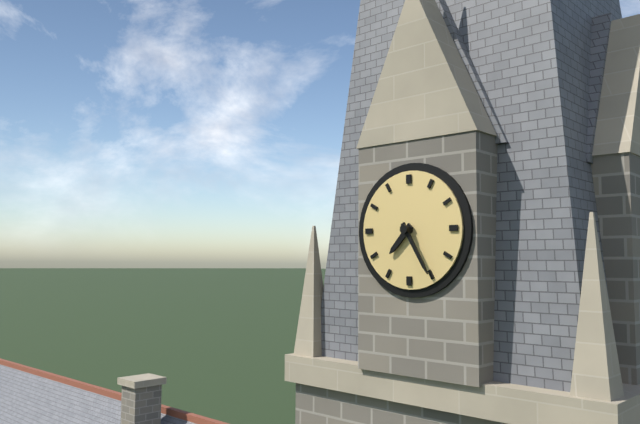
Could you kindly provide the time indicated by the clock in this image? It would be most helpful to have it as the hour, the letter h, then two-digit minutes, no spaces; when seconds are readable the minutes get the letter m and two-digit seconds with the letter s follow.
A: 7h25
